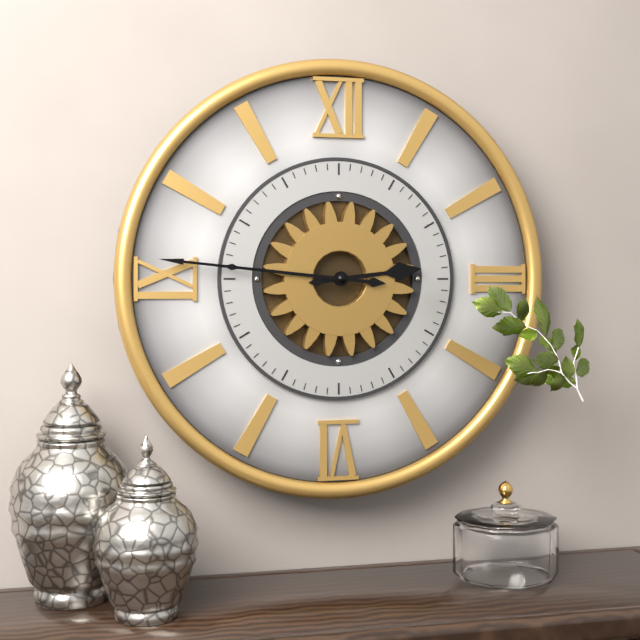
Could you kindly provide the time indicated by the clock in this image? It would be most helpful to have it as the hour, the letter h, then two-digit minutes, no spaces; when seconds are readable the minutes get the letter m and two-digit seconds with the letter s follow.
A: 2h46
